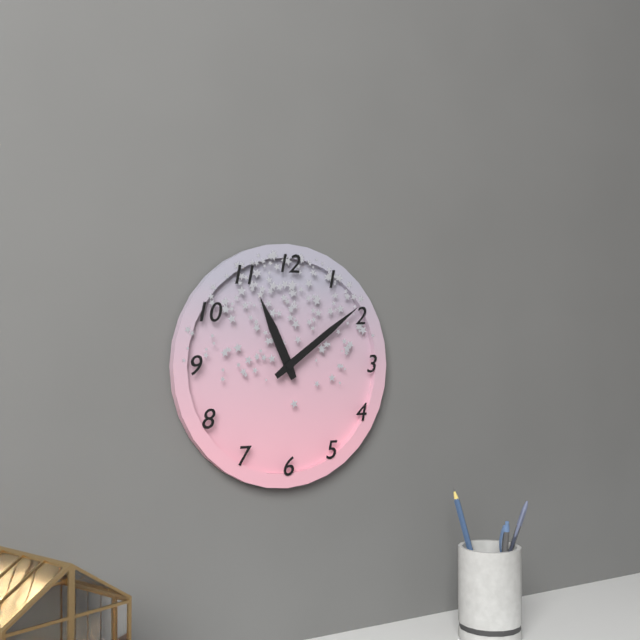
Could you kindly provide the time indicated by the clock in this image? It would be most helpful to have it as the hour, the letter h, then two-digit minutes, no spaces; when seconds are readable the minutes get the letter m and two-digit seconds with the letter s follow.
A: 11h09
